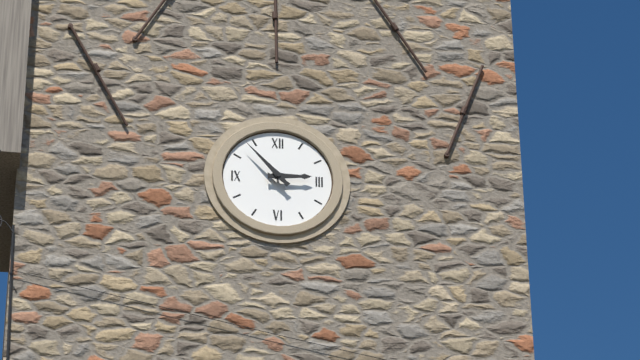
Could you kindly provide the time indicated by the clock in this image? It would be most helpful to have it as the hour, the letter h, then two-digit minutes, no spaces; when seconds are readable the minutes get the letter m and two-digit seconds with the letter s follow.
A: 2h53
